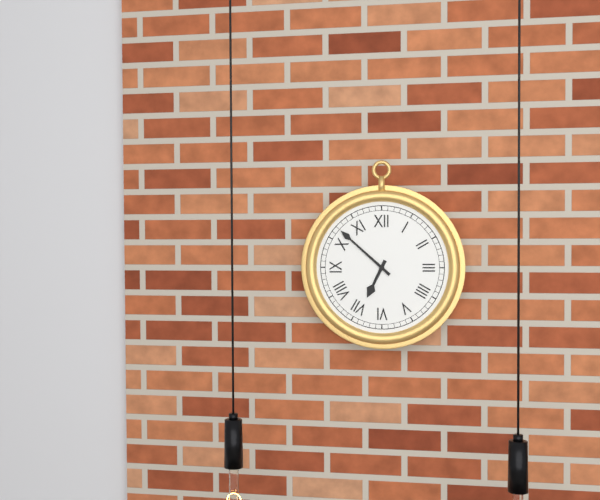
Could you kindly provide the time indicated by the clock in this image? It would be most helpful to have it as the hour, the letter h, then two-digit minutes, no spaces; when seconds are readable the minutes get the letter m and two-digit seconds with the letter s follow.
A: 6h52
